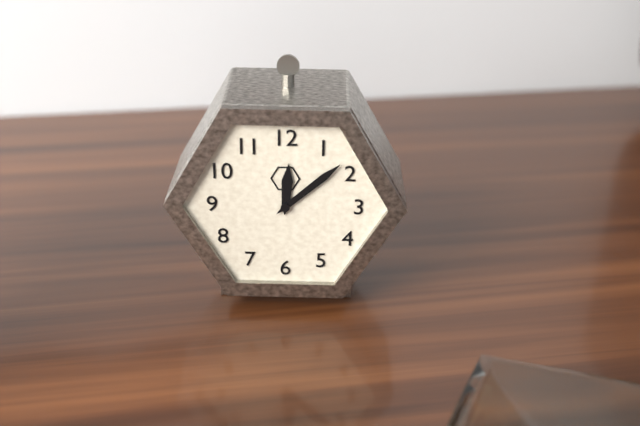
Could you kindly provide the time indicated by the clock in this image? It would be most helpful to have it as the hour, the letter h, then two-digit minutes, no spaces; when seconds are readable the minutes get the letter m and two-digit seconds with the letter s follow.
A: 12h08
